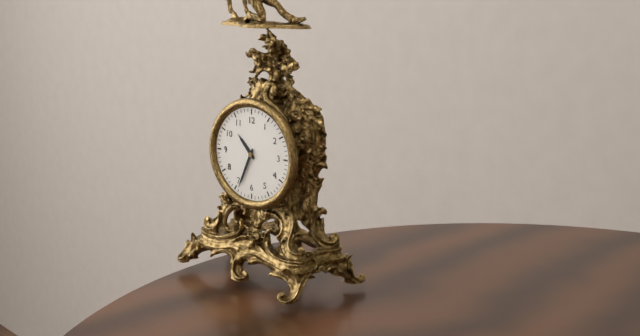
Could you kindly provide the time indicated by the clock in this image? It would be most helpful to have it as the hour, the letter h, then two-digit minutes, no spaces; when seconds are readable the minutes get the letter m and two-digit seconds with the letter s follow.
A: 10h34
